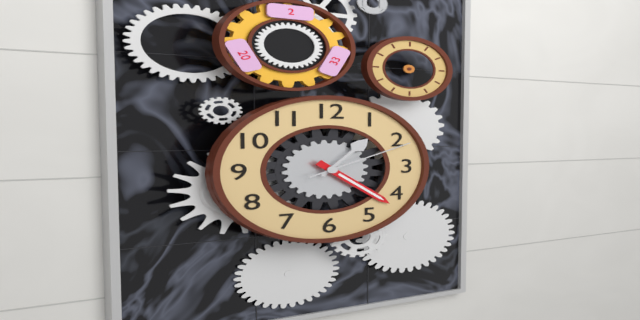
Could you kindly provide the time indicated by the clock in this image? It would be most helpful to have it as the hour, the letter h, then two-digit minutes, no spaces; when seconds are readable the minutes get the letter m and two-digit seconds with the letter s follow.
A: 1h22m11s
